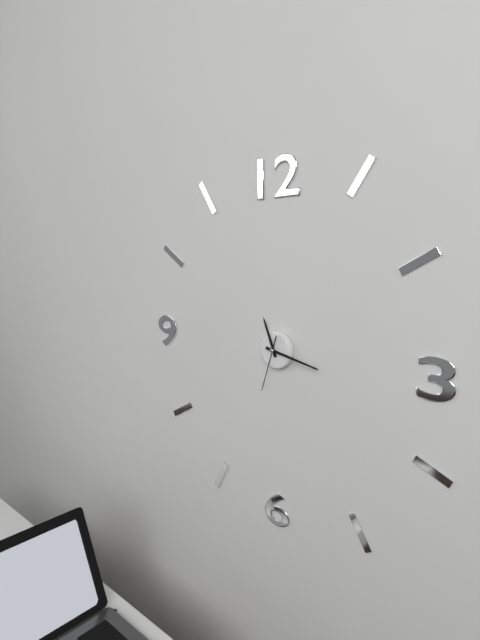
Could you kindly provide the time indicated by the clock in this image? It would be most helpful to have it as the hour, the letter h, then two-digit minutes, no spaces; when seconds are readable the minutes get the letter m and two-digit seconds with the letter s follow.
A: 11h17m33s
